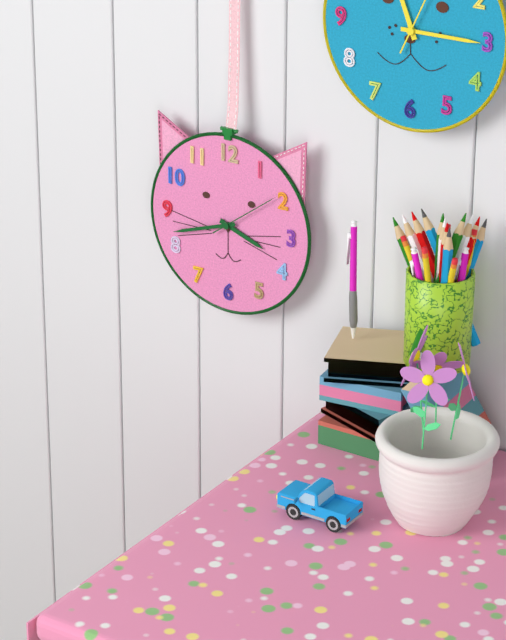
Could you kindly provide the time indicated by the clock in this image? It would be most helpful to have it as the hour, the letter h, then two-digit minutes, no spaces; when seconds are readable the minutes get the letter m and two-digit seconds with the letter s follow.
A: 3h42m09s
